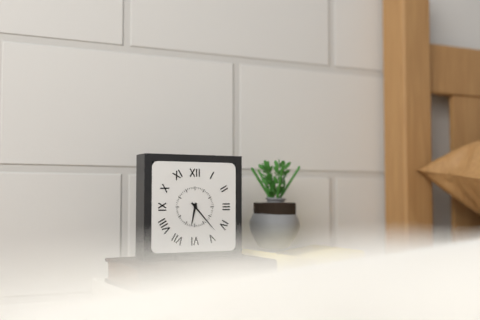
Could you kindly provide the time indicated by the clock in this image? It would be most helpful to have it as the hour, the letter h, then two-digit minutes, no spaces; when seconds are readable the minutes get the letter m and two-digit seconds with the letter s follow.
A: 6h23
